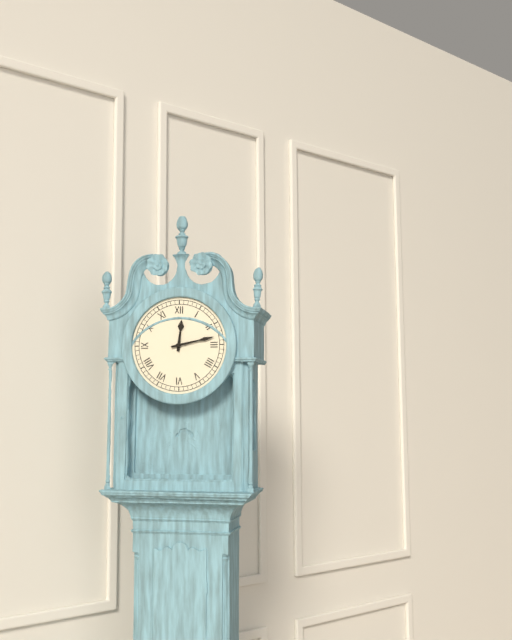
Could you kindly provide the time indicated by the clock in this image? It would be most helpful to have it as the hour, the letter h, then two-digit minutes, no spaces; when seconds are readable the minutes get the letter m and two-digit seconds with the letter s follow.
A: 12h13
